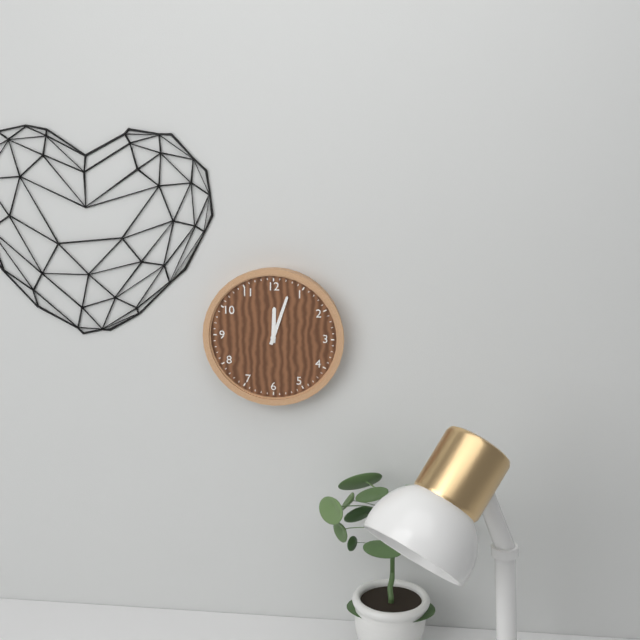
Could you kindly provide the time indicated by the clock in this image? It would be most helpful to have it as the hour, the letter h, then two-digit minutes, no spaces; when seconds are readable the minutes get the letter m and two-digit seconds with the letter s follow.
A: 12h03
